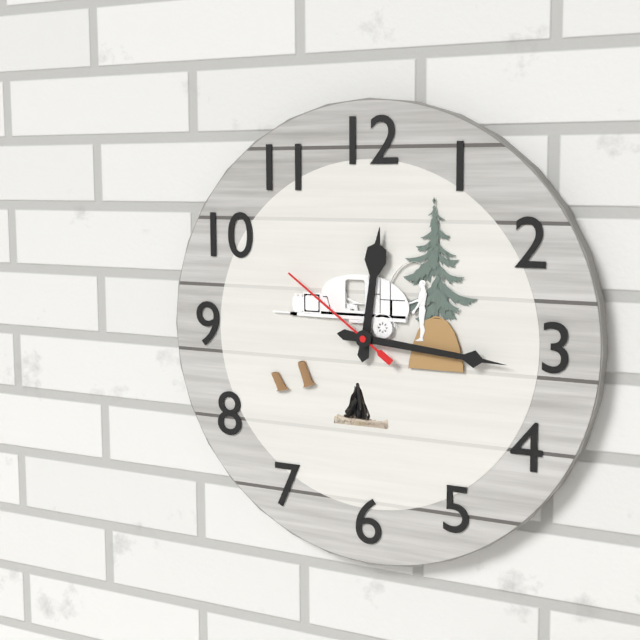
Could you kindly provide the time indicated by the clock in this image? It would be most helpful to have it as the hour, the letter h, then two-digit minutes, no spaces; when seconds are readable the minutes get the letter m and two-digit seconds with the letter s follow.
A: 12h16m51s
